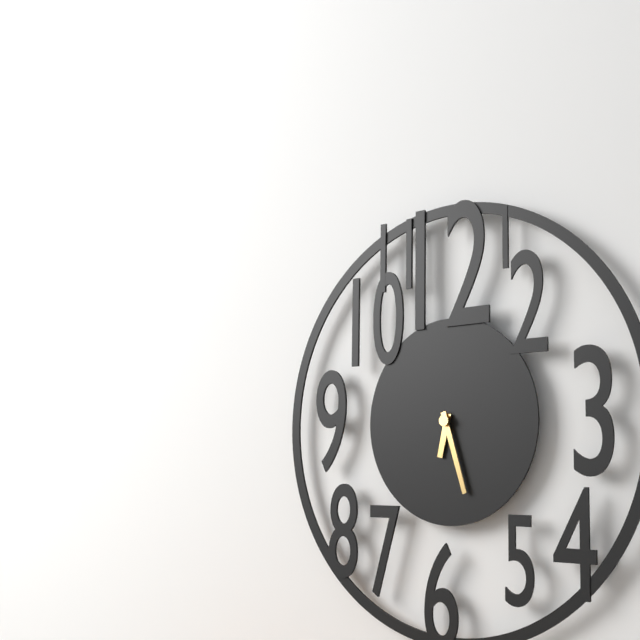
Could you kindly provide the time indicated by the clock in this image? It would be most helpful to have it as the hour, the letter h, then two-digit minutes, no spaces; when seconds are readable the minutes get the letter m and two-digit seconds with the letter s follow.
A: 6h27
